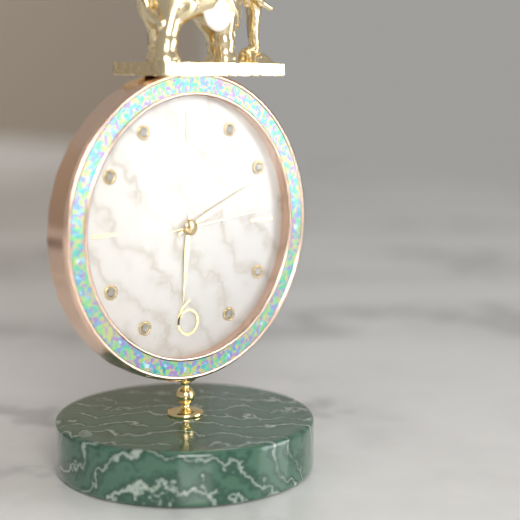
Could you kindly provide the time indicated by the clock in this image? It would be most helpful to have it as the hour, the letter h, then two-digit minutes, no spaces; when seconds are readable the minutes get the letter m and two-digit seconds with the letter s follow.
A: 6h11m14s
